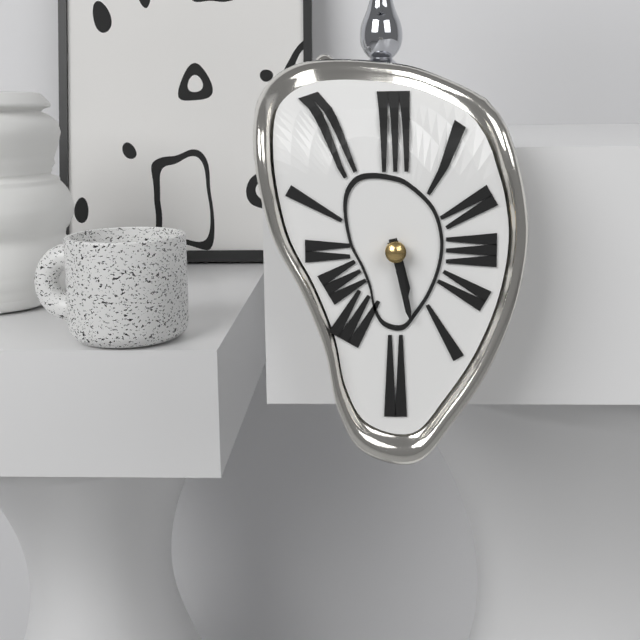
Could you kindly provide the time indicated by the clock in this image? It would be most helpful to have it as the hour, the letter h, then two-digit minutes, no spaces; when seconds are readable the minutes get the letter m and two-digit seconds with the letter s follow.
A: 5h28
